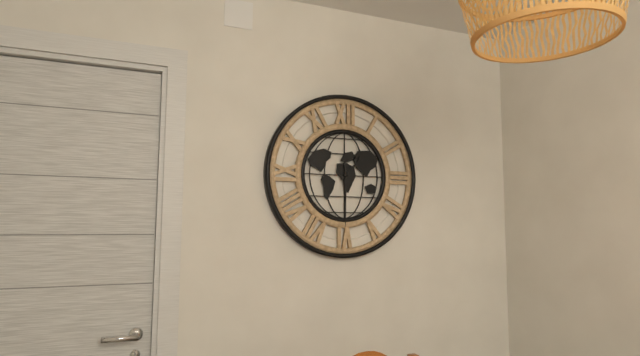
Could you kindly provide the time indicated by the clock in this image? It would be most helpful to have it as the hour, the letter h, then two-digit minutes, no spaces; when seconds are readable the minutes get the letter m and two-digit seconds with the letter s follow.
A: 1h30
